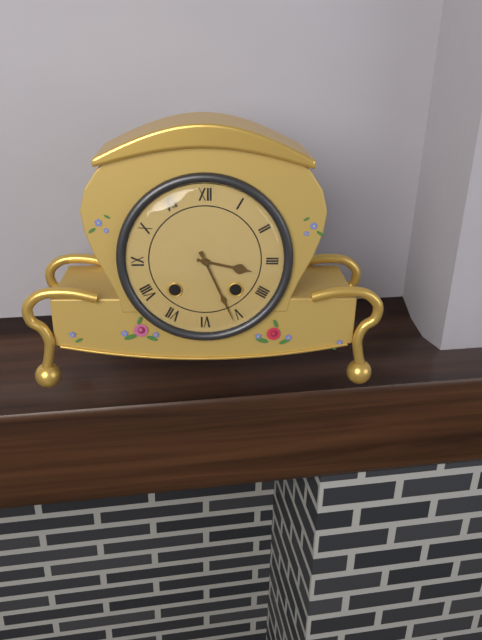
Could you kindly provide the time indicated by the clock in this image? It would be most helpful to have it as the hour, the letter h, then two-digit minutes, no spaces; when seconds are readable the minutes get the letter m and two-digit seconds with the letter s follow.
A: 3h26
